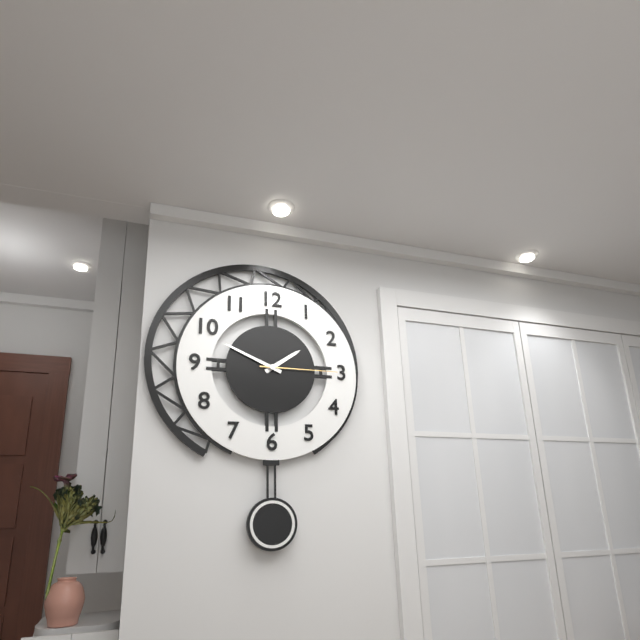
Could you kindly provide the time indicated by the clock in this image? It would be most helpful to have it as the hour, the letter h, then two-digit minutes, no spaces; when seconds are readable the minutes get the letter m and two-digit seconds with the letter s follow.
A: 1h49m15s
